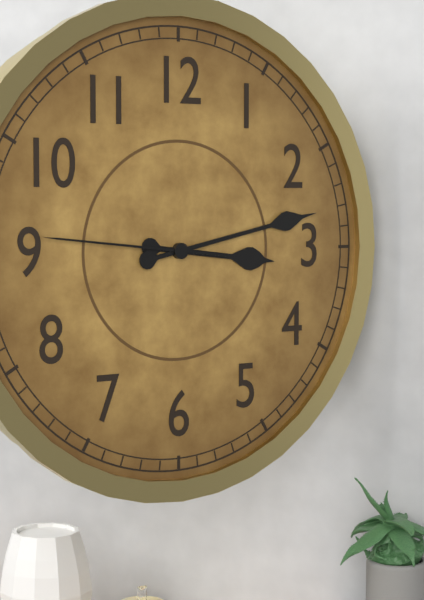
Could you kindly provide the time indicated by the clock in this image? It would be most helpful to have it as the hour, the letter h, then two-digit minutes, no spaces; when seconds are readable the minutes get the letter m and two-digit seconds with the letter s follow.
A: 3h13m46s
